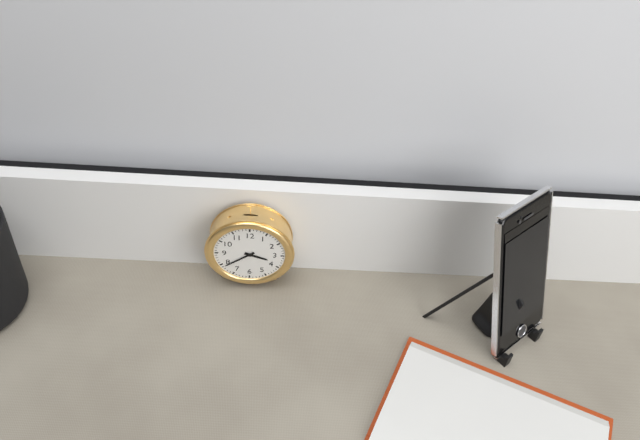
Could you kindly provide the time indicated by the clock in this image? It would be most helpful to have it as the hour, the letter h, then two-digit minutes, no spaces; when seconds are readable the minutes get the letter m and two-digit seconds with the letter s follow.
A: 3h39
